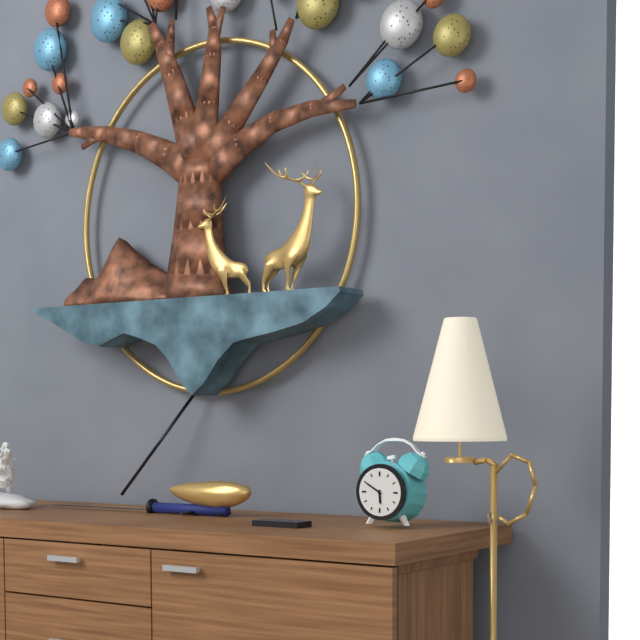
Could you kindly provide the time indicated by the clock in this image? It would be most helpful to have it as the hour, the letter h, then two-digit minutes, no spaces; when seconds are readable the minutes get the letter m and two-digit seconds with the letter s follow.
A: 5h50
